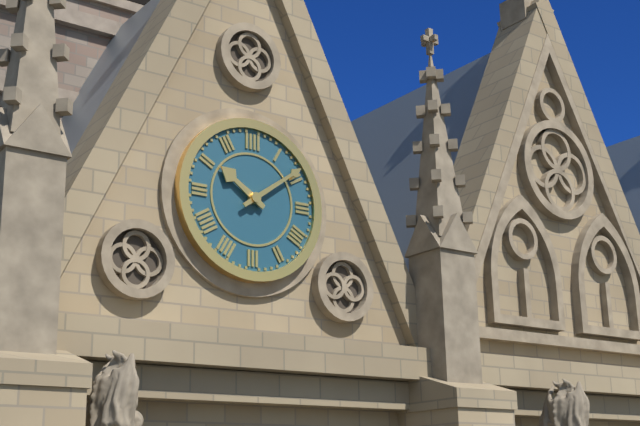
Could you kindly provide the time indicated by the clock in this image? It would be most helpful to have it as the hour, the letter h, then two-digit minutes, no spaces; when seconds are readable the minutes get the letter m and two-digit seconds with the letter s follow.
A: 10h09
